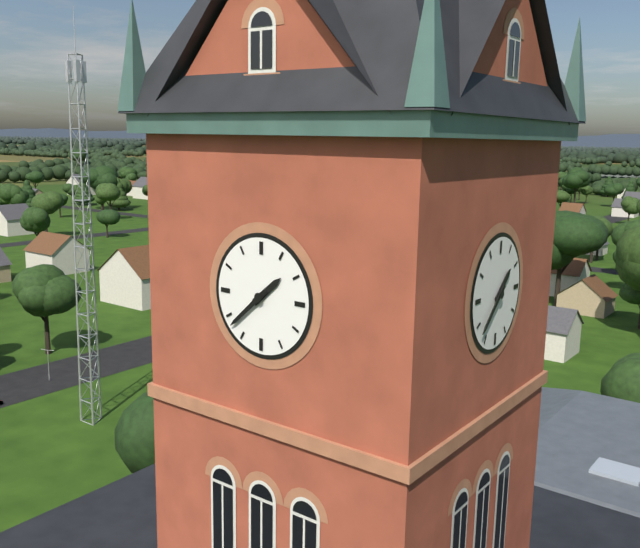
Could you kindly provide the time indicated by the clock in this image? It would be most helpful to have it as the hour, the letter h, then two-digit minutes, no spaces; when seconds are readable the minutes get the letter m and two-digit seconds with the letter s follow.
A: 1h38
